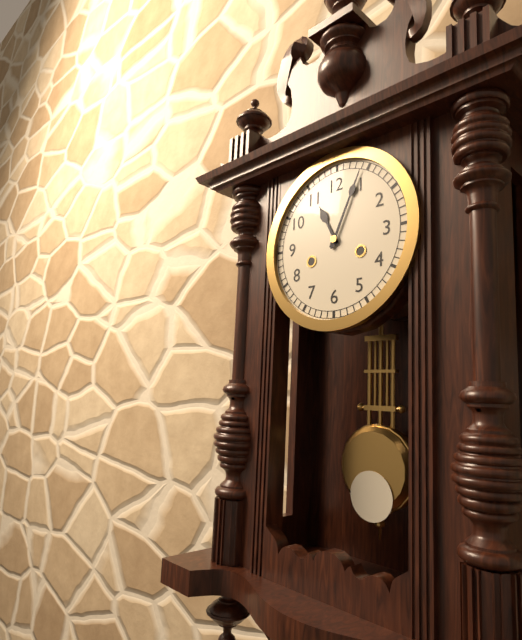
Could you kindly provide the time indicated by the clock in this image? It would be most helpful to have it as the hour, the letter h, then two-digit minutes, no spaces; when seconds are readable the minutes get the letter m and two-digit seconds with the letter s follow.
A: 11h04
